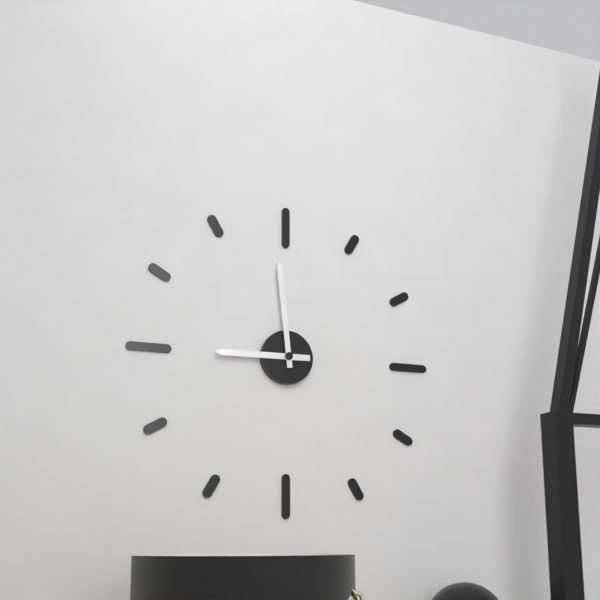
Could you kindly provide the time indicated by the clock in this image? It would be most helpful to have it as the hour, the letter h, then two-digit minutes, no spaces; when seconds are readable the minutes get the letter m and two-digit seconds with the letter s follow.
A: 8h59
